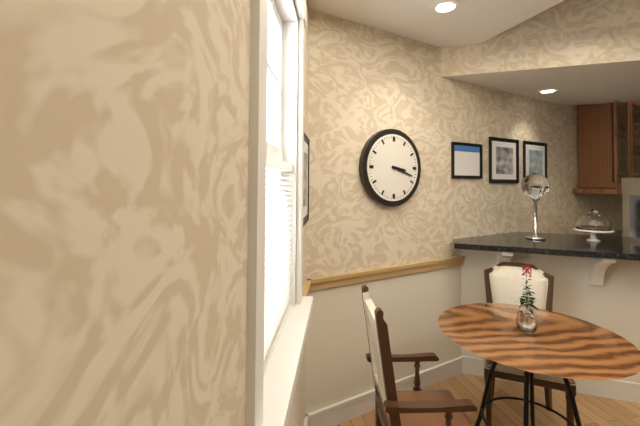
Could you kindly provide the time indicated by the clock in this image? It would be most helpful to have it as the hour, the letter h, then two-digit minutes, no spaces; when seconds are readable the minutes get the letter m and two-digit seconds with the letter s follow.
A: 3h18
